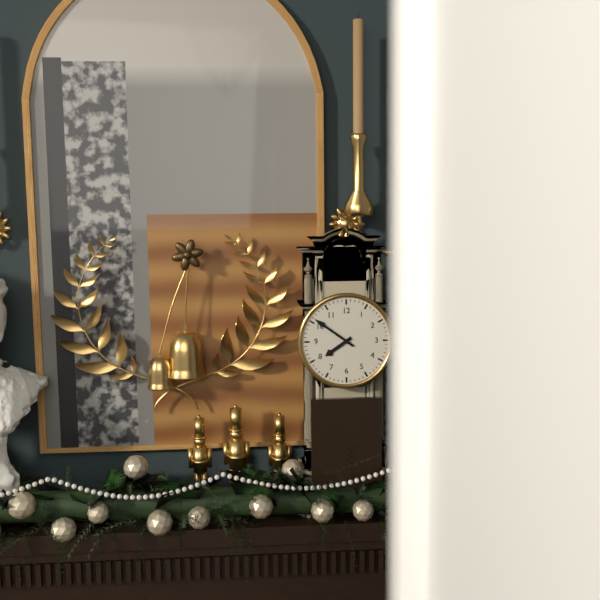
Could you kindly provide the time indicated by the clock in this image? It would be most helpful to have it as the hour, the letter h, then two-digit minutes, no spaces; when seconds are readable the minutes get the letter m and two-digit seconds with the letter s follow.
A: 7h51
